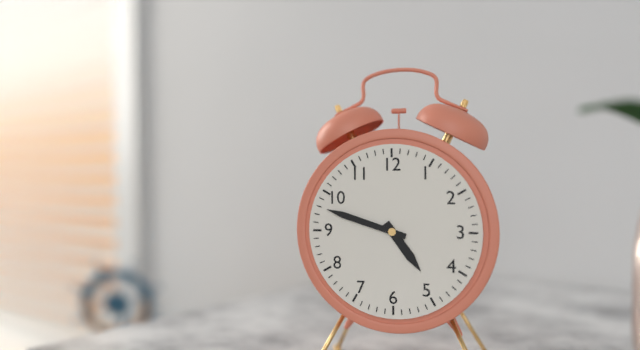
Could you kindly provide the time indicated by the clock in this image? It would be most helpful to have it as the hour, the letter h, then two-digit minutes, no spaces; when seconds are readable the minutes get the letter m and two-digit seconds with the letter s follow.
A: 4h48
